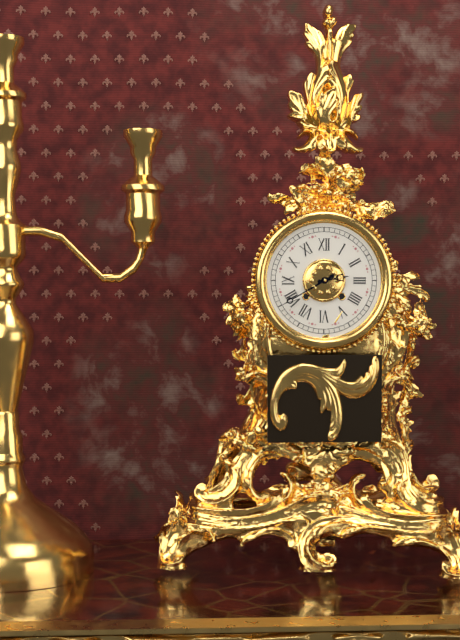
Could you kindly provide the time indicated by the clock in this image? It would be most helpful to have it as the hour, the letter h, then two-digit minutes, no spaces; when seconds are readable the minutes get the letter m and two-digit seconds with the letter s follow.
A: 2h40
